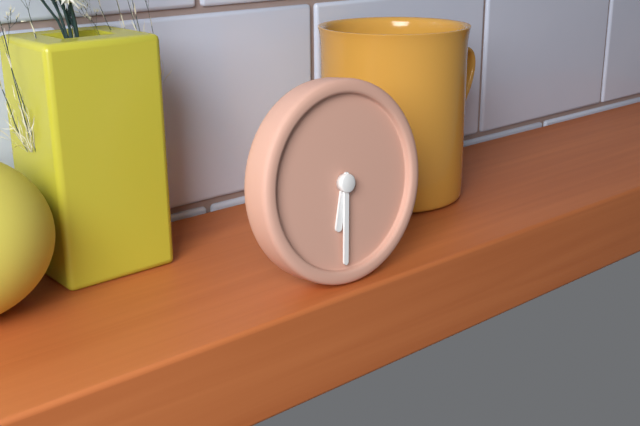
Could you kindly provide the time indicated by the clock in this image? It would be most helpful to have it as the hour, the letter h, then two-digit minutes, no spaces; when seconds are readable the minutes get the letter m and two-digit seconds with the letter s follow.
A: 6h31
